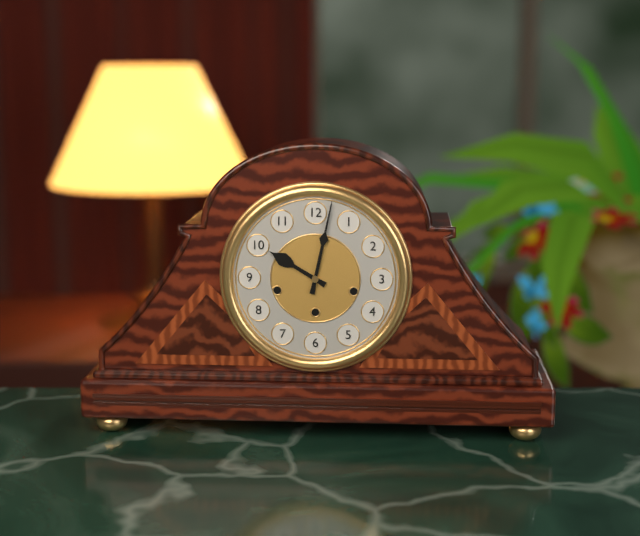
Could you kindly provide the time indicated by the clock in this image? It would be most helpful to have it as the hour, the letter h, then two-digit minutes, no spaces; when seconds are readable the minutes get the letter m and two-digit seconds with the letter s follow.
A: 10h02
